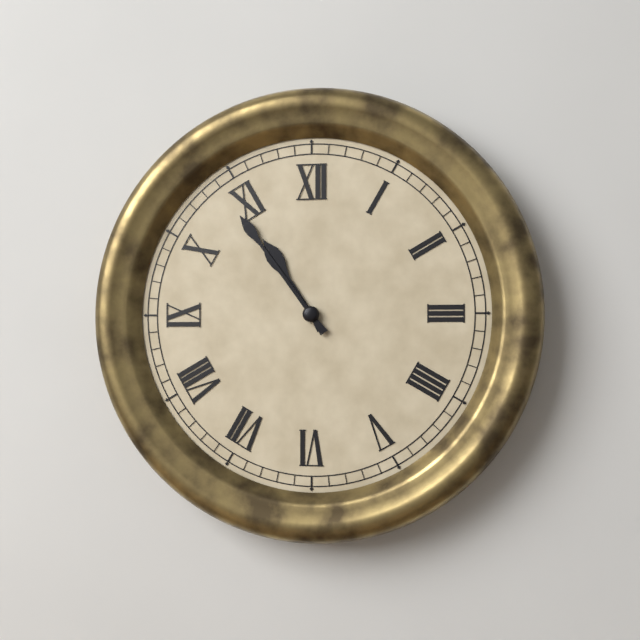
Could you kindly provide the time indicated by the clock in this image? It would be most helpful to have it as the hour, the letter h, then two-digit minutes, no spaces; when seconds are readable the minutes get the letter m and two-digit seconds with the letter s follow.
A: 10h54
